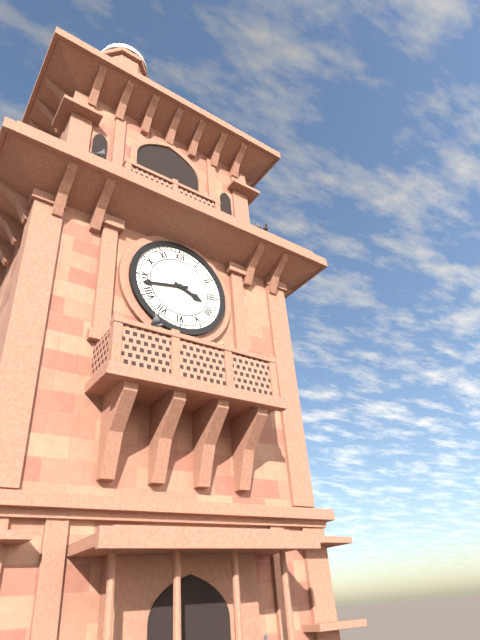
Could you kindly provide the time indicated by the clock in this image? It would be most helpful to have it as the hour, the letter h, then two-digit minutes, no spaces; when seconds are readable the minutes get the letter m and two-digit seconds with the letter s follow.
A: 3h43
